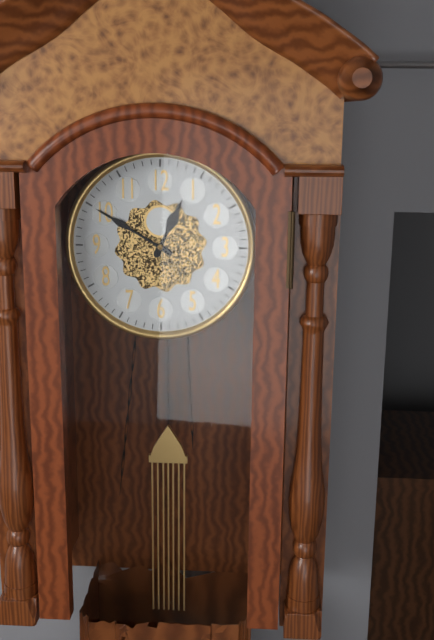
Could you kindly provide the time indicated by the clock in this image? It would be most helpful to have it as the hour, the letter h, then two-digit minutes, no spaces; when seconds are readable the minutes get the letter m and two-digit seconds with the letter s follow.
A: 12h50
